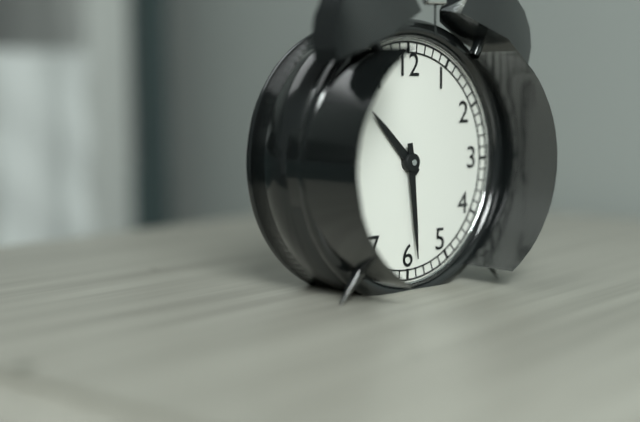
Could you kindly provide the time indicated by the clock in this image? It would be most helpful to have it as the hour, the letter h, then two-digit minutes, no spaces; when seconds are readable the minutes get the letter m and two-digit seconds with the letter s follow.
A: 10h29
